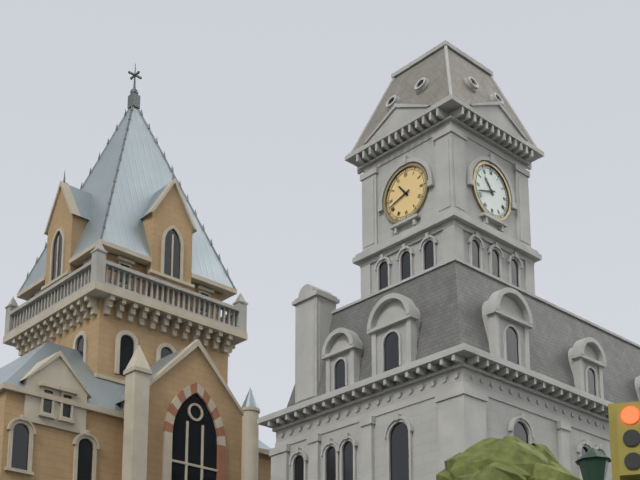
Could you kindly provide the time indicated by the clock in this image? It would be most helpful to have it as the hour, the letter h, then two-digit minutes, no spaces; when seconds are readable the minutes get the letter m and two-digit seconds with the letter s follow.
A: 10h42
